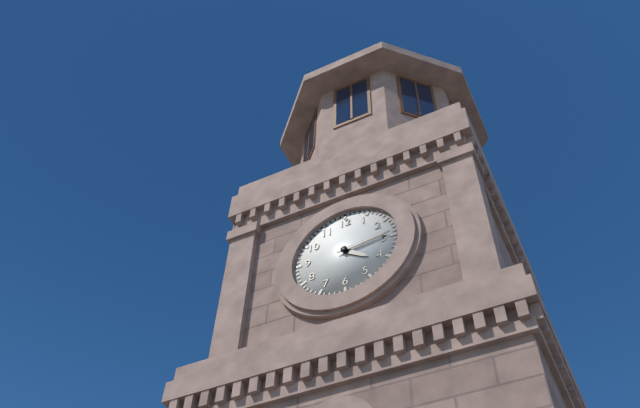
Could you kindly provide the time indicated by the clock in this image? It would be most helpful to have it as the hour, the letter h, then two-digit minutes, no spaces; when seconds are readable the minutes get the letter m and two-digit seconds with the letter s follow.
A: 4h14
